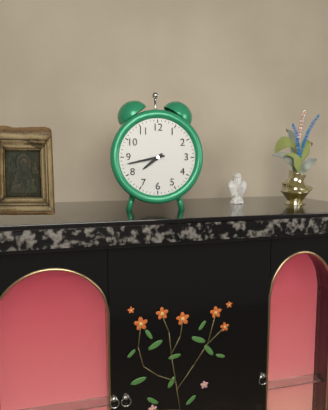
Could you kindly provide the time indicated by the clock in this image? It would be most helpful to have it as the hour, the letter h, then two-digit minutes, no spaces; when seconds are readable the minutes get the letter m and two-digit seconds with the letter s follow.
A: 7h43
